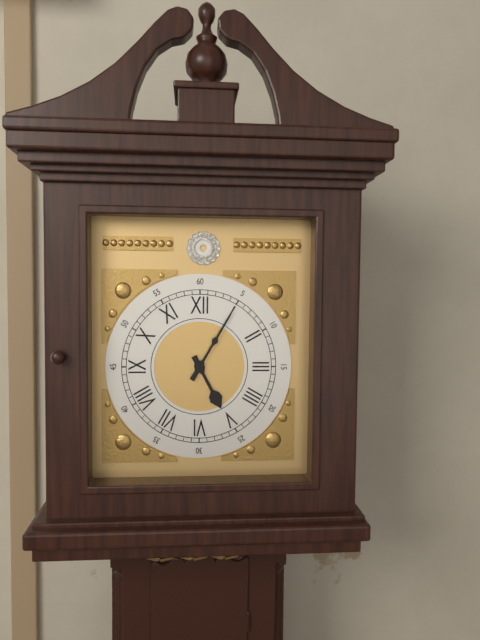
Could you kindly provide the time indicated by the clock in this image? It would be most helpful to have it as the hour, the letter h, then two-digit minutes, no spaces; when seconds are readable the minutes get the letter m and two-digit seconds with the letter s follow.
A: 5h05
